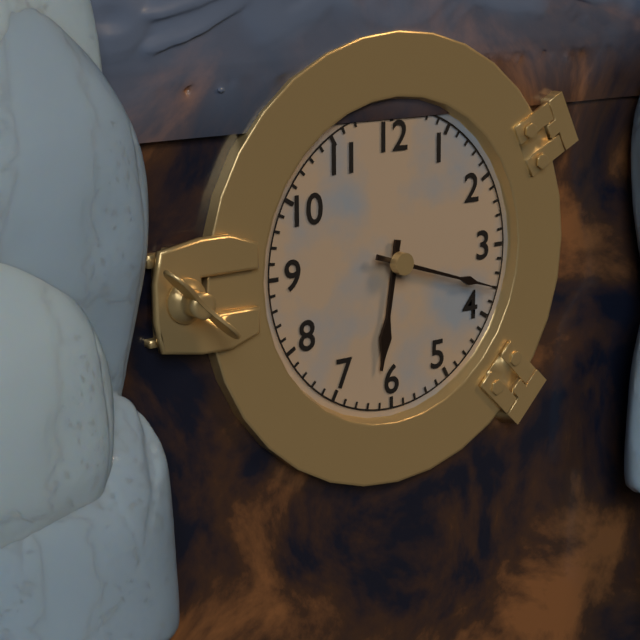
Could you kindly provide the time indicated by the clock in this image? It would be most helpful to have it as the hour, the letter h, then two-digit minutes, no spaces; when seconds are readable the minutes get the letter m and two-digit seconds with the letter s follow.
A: 6h18
